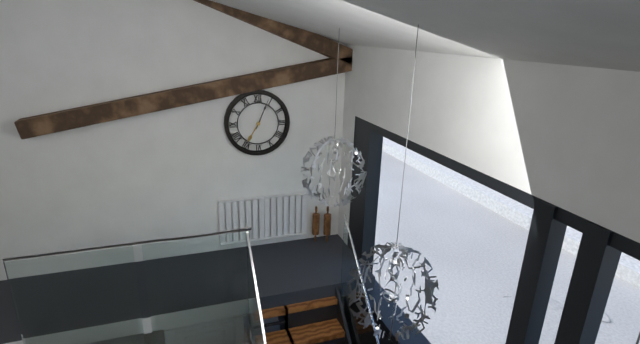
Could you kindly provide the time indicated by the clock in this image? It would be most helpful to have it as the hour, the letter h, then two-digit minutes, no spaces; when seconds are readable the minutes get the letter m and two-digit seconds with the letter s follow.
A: 7h04
